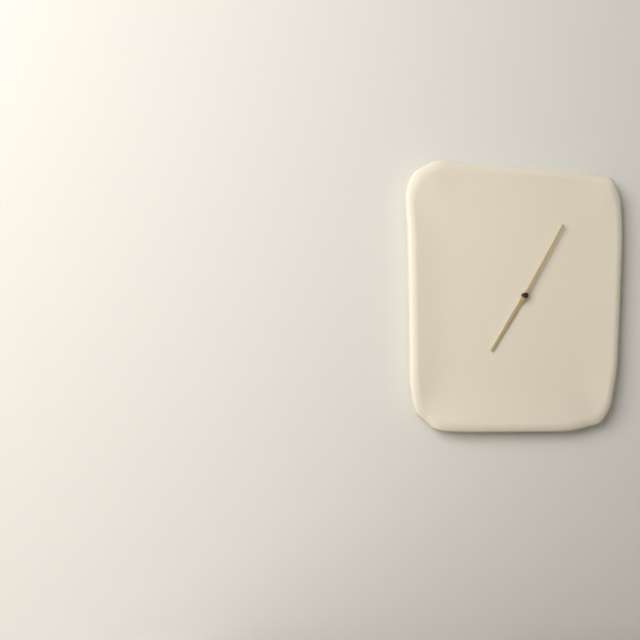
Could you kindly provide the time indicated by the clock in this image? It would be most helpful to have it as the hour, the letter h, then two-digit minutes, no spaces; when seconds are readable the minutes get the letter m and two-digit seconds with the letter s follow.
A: 7h05
